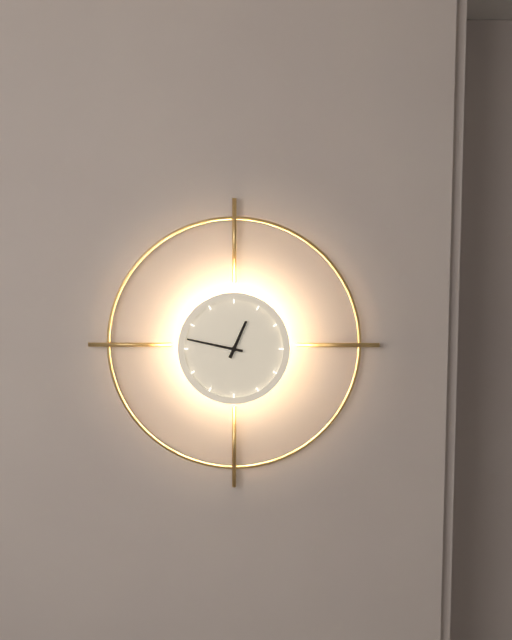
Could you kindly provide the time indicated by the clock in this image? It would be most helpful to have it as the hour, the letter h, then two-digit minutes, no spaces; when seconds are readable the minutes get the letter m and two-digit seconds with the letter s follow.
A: 12h47
